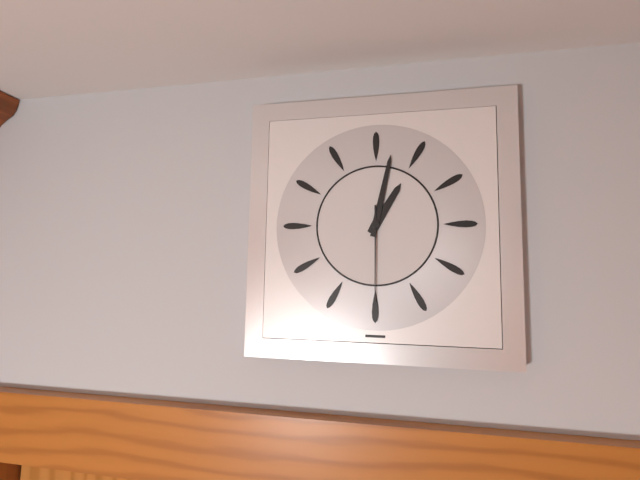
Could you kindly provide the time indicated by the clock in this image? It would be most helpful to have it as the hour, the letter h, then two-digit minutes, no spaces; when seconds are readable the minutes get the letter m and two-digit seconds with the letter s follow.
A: 1h02m30s
